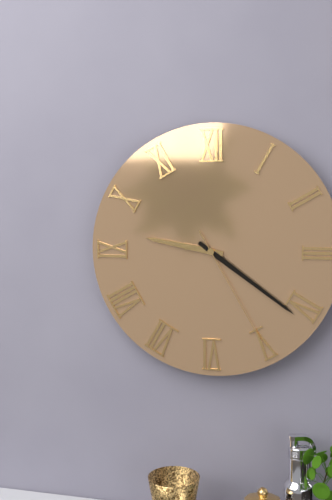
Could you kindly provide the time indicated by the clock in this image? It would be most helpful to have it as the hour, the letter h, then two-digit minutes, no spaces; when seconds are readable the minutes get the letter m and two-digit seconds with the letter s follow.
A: 9h21m25s
